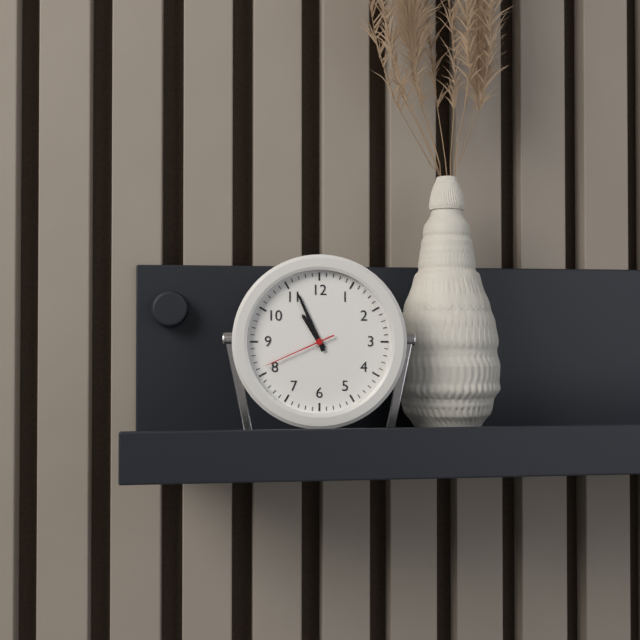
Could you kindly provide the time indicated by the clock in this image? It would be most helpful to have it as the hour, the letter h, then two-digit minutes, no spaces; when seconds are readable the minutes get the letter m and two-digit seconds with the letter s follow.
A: 10h56m41s
